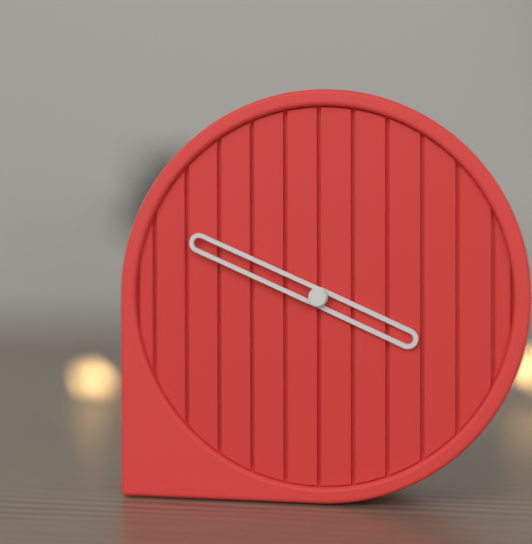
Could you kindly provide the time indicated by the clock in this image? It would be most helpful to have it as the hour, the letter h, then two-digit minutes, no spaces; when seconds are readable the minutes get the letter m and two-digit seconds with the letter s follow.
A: 3h49
